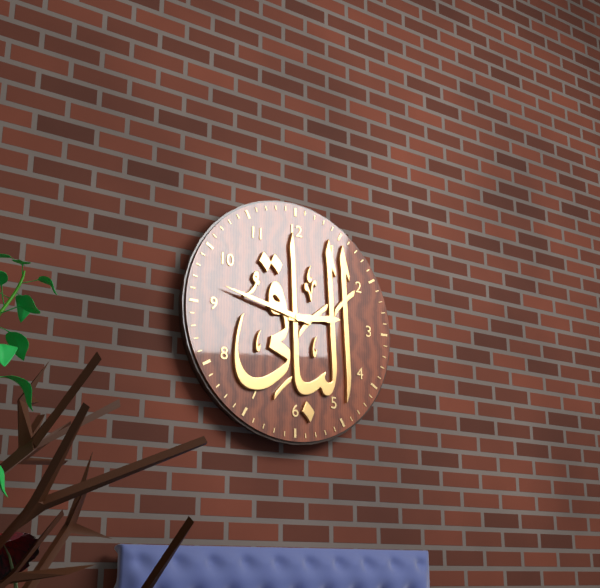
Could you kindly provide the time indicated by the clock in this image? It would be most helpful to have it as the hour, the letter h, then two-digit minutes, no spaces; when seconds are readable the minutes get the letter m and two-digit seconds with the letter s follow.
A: 2h47
